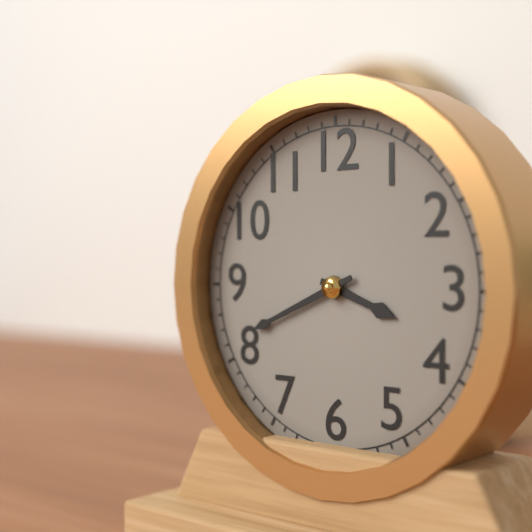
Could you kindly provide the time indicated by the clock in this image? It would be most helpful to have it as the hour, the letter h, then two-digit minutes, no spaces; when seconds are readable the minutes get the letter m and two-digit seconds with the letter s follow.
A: 3h41
